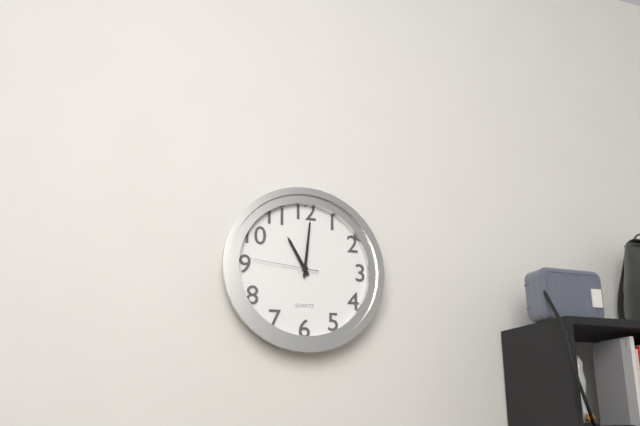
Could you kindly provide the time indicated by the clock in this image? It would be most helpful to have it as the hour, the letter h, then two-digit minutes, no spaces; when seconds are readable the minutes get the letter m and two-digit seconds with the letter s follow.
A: 11h01m46s
